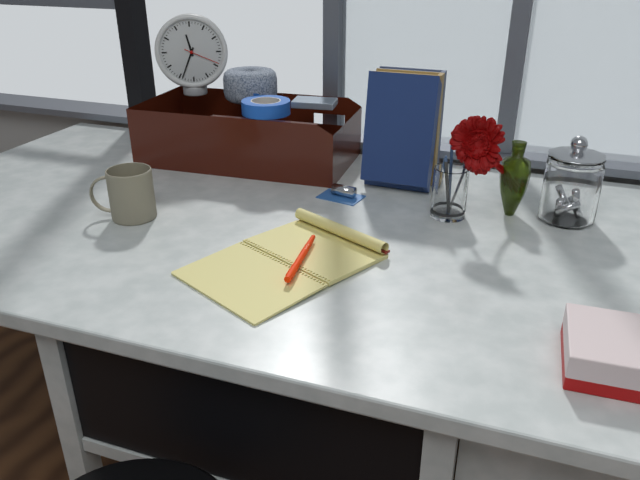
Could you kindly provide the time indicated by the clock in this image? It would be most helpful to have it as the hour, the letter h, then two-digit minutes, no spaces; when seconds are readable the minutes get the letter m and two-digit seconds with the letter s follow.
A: 11h34
